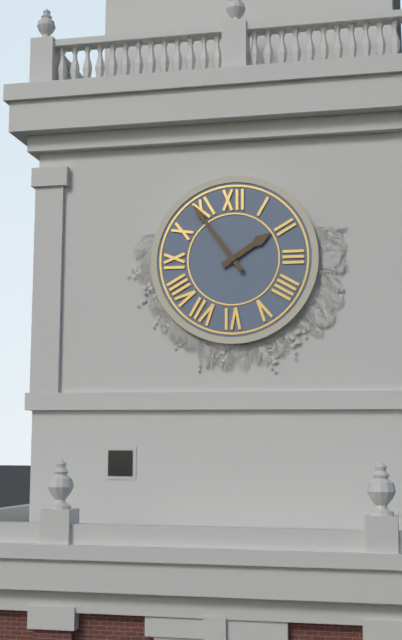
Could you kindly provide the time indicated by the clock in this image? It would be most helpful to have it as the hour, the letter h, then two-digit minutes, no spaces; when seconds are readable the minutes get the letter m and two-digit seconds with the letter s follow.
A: 1h54
